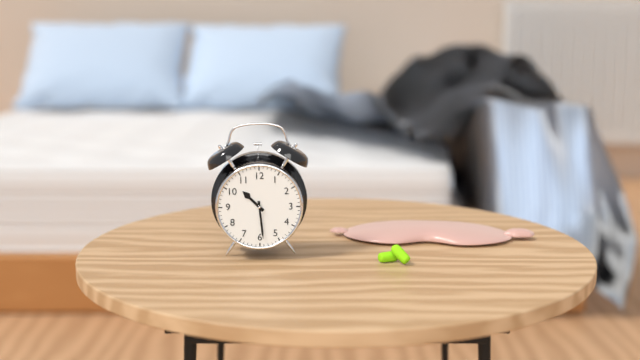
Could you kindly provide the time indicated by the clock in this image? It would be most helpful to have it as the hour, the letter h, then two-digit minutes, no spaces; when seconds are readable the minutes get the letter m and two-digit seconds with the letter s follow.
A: 10h29
